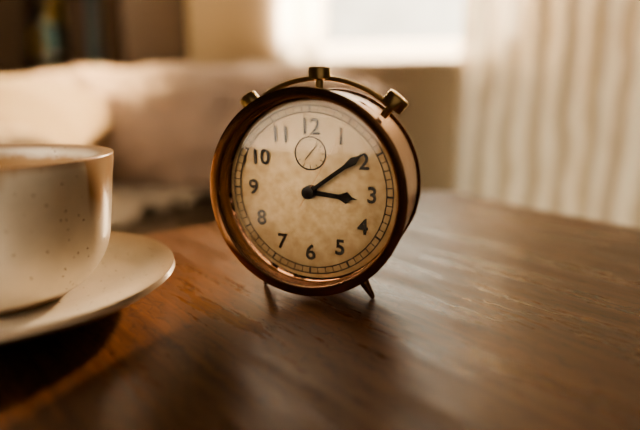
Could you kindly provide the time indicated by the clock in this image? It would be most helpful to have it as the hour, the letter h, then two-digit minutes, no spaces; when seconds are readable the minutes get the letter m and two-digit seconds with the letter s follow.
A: 3h09m05s
